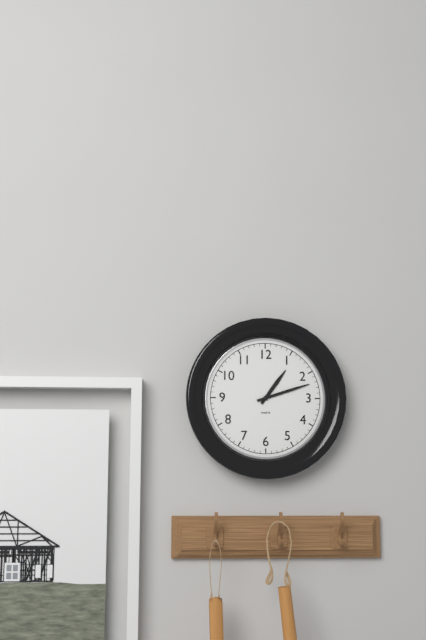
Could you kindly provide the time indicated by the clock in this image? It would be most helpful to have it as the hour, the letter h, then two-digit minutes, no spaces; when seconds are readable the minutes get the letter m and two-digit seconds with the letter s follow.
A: 1h12
